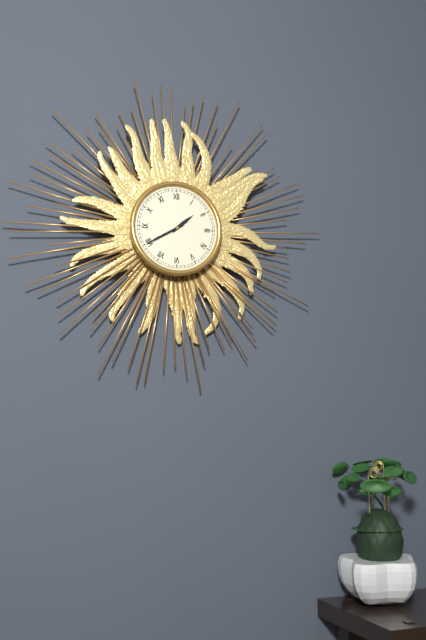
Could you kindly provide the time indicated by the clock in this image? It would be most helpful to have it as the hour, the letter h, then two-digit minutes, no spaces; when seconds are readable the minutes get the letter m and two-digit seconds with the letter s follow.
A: 1h40
